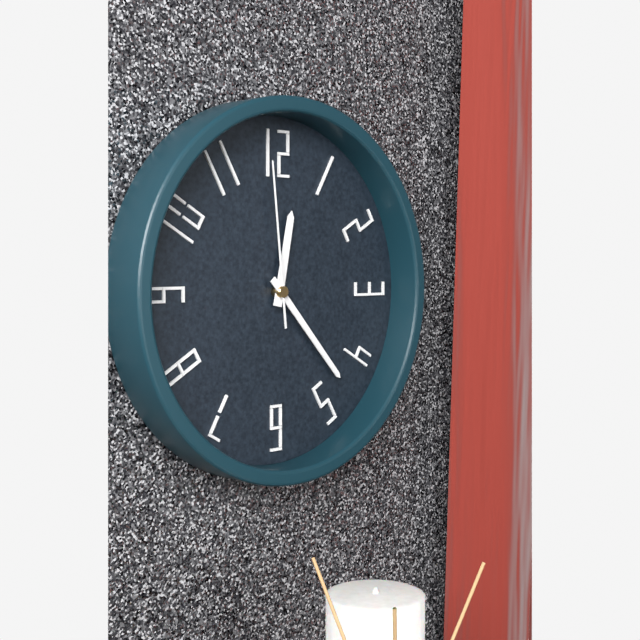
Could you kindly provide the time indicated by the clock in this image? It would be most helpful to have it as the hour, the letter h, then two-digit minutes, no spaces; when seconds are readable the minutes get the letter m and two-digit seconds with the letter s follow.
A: 12h23m59s
